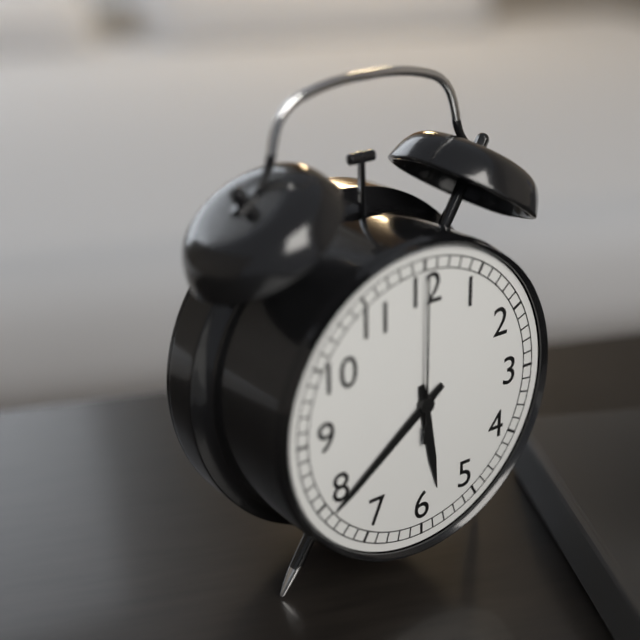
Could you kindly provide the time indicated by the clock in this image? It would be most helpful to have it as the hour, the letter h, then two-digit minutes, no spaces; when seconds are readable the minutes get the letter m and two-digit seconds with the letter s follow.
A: 5h39m00s
